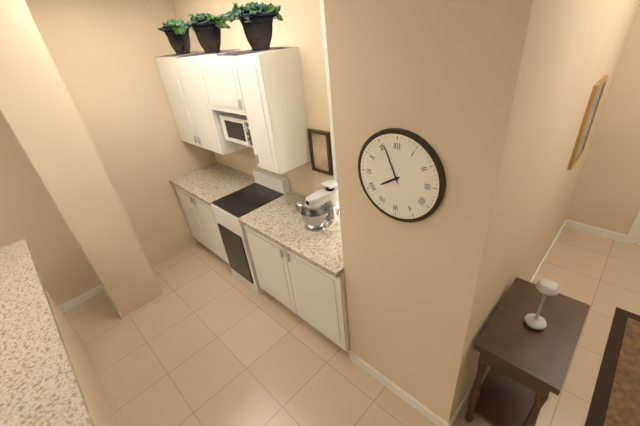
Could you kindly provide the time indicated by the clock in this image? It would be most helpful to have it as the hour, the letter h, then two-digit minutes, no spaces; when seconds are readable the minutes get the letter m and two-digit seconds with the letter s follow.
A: 7h56
